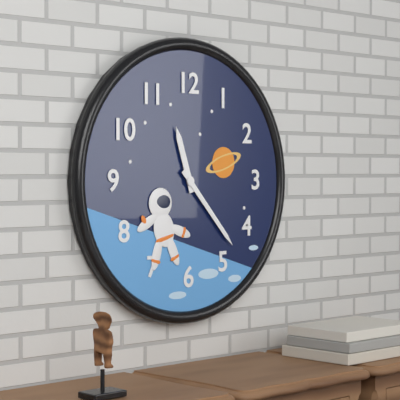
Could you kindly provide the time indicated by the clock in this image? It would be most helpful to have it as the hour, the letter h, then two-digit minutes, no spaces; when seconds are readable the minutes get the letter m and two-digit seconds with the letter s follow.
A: 11h23
